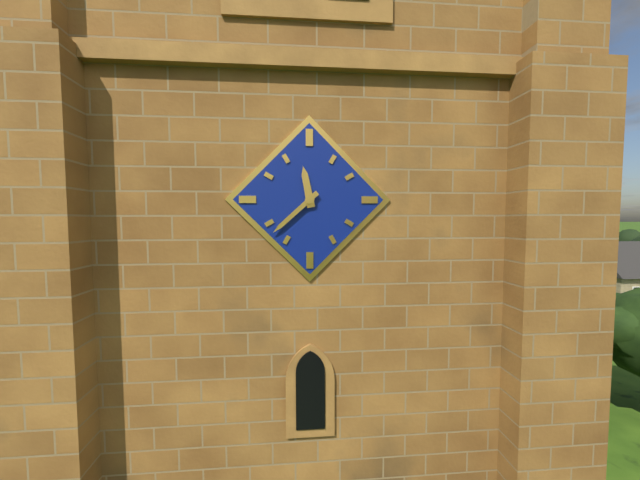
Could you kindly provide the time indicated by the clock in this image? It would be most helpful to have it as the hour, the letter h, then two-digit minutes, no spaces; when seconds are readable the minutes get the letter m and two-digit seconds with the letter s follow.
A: 11h38
